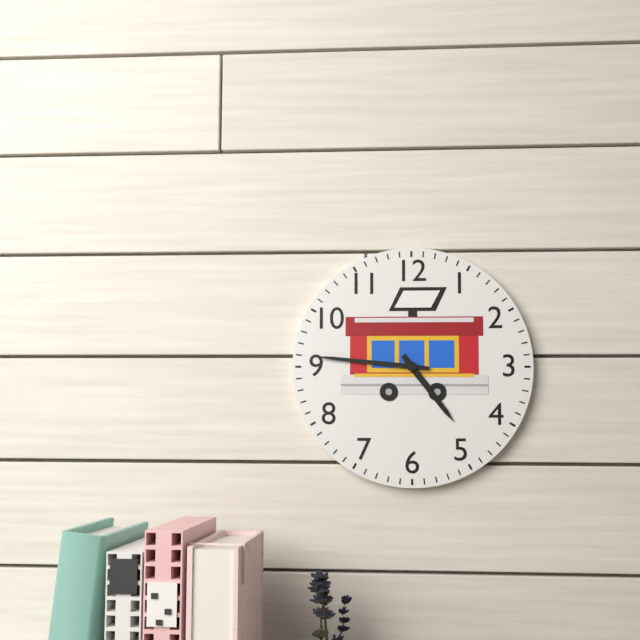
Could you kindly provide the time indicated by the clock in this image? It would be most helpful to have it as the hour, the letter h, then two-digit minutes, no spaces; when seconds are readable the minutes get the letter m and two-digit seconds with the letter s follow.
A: 4h46
